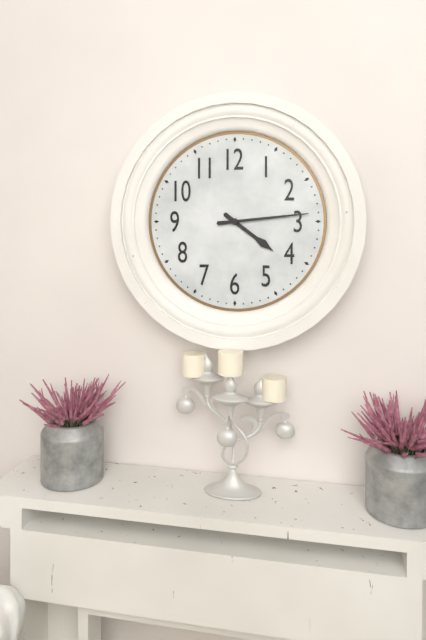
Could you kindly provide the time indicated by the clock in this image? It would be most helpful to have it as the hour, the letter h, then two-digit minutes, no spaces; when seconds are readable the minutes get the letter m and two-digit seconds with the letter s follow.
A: 4h14
